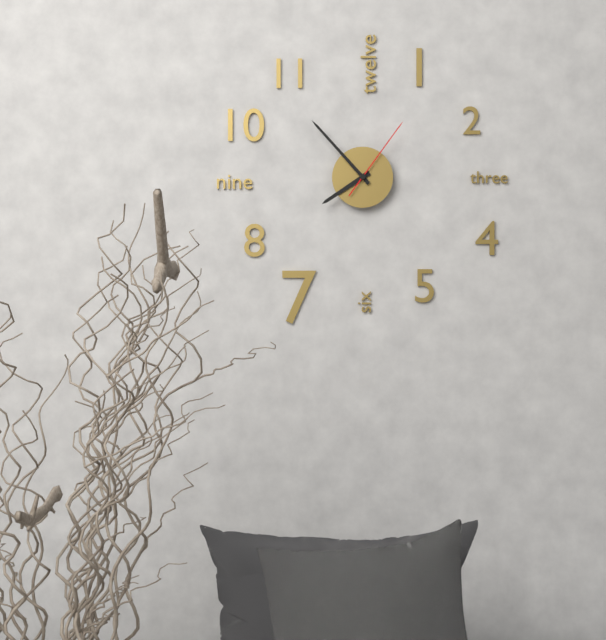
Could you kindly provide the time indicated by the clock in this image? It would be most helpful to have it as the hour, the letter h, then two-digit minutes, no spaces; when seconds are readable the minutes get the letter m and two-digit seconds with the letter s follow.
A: 7h53m06s
